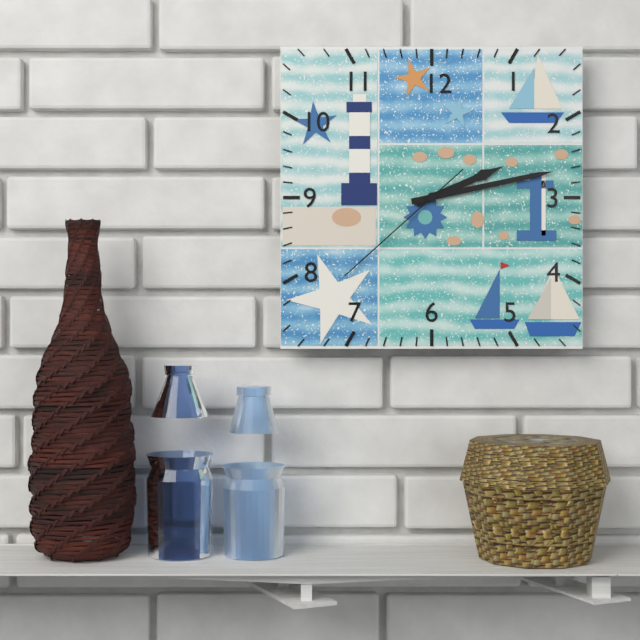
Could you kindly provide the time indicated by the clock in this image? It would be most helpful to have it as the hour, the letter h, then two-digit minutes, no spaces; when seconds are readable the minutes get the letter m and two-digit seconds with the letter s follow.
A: 2h13m38s
